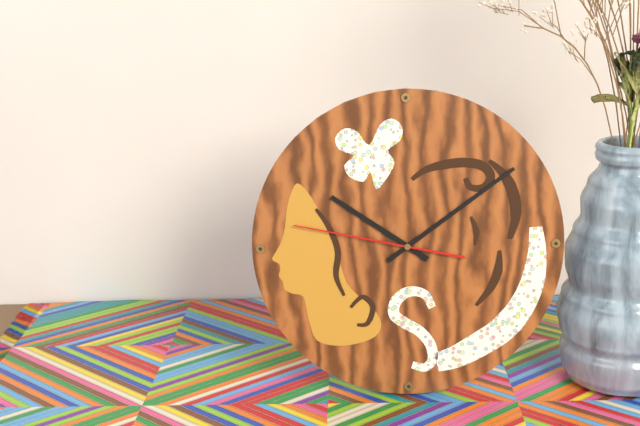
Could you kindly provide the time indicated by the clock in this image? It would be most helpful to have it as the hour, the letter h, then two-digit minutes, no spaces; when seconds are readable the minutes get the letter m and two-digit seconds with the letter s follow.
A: 10h09m47s
